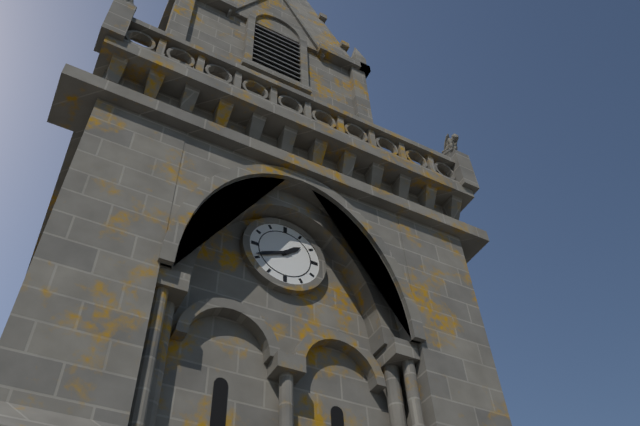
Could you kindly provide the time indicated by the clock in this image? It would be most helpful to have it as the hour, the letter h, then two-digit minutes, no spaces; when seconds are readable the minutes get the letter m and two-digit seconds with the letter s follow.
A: 1h41
